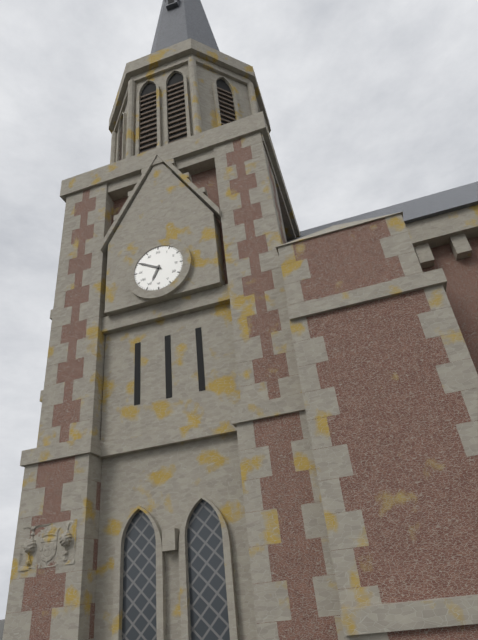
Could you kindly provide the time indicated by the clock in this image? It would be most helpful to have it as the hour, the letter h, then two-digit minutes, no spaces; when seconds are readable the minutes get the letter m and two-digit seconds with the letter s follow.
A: 6h50
